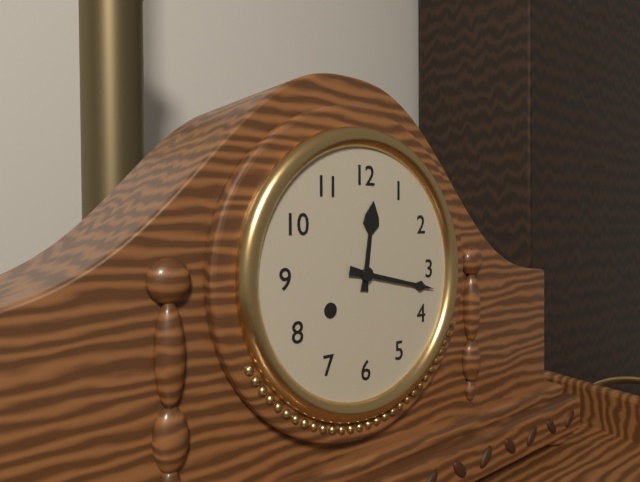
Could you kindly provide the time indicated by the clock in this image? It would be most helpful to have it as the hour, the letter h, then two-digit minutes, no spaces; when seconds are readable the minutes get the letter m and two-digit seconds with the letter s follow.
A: 12h17
